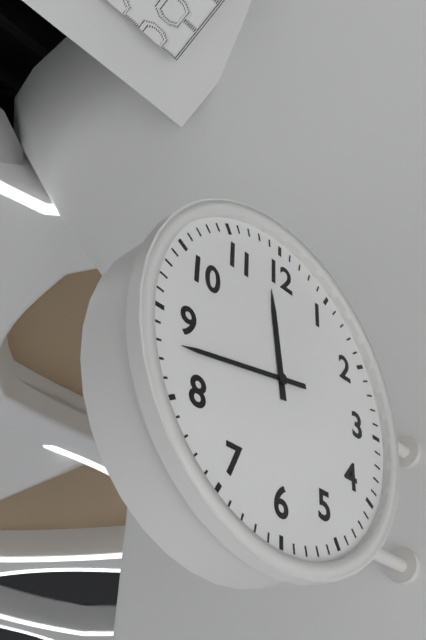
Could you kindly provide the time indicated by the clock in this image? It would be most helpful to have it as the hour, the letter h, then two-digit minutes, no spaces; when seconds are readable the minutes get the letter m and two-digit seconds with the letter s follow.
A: 11h43
